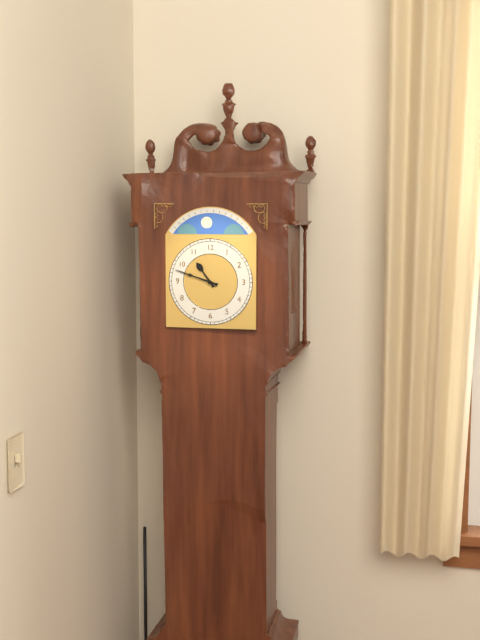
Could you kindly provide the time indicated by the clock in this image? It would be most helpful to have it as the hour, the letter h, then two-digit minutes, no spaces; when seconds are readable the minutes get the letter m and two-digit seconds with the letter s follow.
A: 10h48
